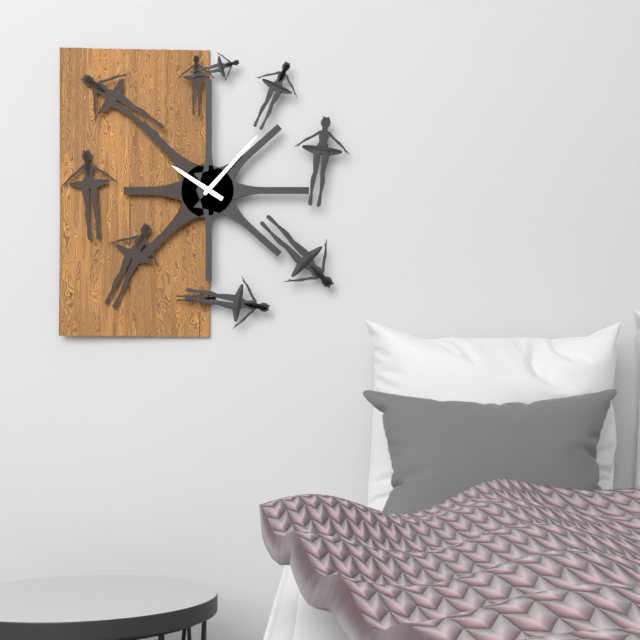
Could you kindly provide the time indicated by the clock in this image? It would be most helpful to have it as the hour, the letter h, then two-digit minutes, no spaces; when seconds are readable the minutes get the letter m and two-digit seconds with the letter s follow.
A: 10h07
